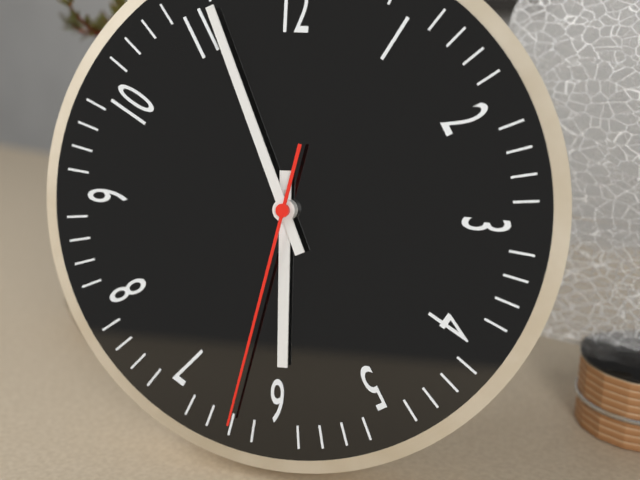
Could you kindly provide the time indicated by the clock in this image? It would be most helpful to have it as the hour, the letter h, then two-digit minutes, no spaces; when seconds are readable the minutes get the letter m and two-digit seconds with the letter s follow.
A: 5h56m32s
